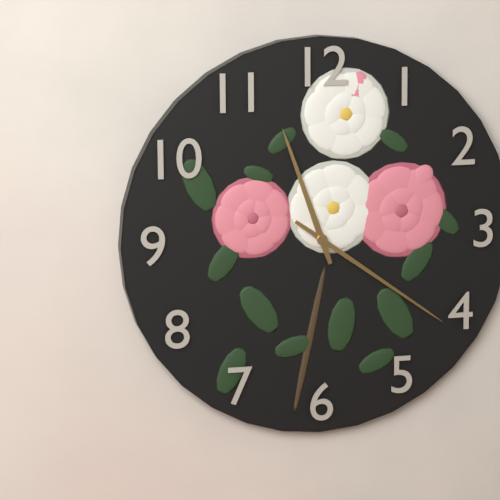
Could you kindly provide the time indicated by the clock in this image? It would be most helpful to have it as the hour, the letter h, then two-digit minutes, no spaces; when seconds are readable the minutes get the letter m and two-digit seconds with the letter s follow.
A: 11h21
